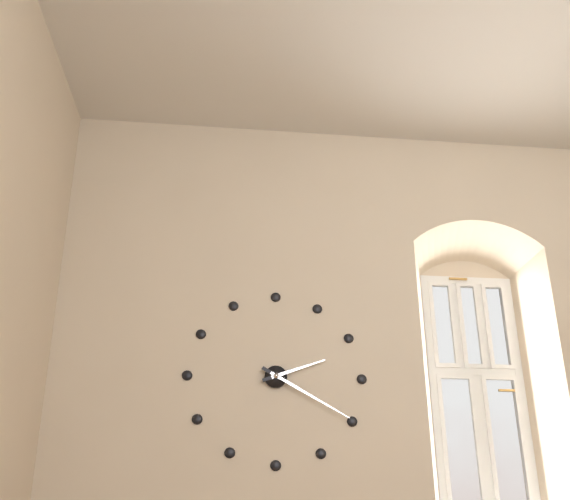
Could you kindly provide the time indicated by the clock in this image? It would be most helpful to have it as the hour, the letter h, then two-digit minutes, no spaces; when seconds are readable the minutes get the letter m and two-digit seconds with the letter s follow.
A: 2h20
